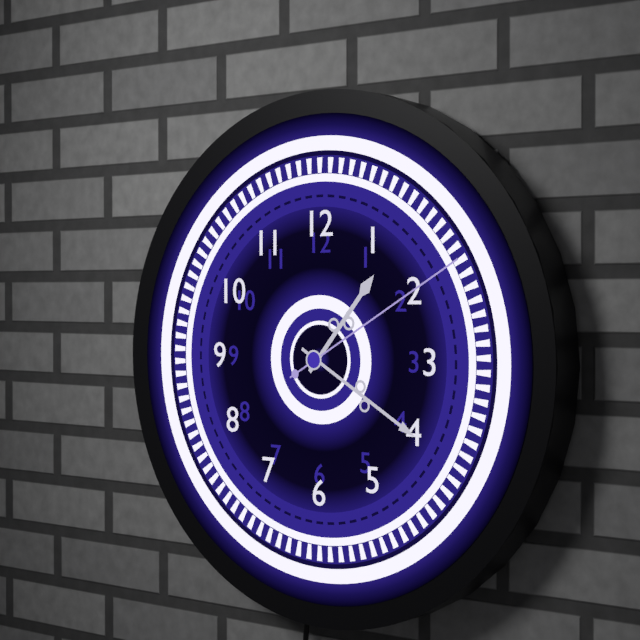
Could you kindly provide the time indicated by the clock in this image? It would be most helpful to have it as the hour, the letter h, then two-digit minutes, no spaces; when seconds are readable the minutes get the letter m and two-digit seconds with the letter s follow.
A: 1h20m10s
